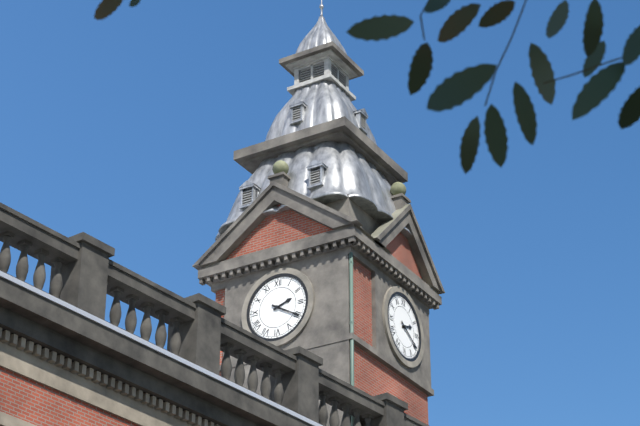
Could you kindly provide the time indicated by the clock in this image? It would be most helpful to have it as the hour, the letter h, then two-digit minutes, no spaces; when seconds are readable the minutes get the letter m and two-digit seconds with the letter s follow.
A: 2h20
